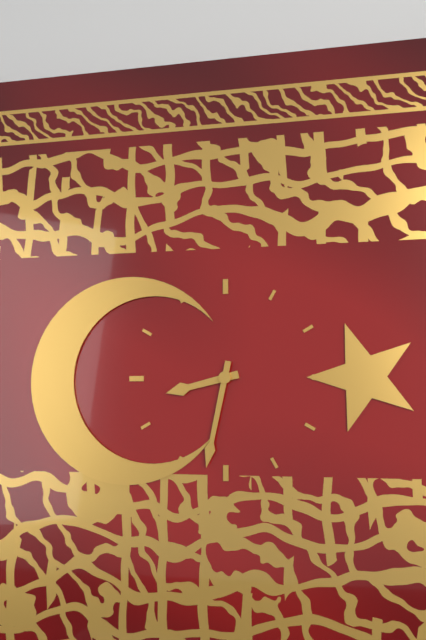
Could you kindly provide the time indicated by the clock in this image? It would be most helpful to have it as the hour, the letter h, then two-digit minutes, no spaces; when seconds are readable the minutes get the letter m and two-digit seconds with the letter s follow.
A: 8h32
